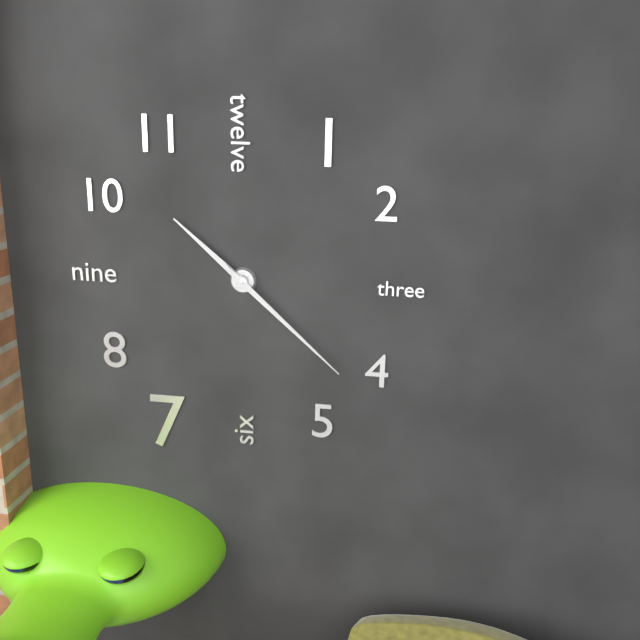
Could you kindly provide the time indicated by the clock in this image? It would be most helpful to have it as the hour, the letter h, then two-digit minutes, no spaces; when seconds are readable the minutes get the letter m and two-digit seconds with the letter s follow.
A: 10h22
